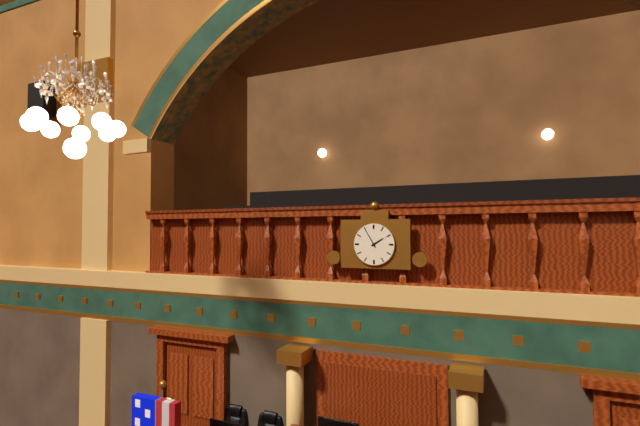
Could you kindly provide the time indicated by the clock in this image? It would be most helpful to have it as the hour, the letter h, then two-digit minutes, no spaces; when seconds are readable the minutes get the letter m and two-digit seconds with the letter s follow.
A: 1h55
